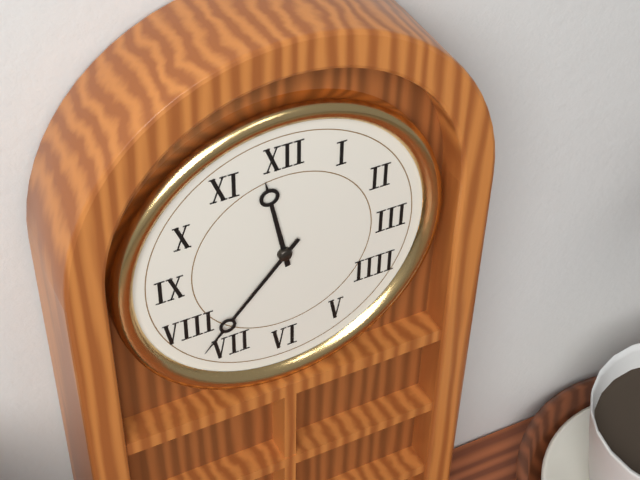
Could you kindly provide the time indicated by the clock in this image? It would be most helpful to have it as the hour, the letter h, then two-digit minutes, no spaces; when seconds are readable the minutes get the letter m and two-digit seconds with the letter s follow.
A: 11h37
